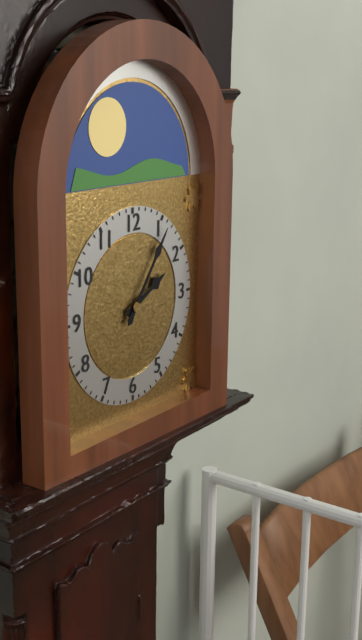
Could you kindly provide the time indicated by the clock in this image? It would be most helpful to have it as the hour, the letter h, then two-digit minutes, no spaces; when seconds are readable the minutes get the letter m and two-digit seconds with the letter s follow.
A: 2h06
